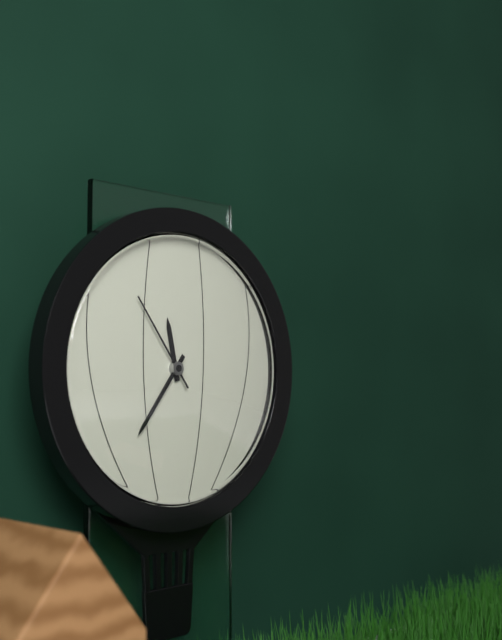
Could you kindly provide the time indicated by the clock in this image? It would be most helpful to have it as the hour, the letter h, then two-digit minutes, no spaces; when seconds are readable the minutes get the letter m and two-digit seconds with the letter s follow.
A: 11h36m54s
